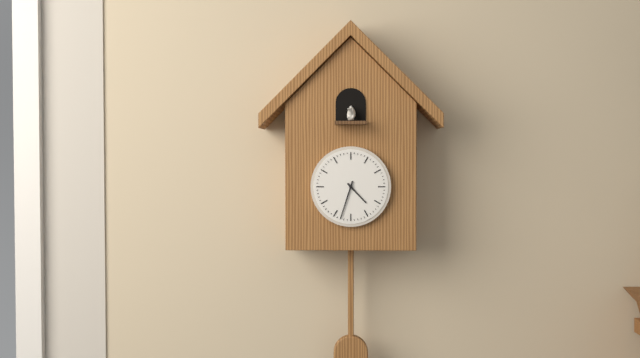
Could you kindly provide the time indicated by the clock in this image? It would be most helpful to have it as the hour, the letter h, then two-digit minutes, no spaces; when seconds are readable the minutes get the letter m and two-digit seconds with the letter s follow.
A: 4h33
